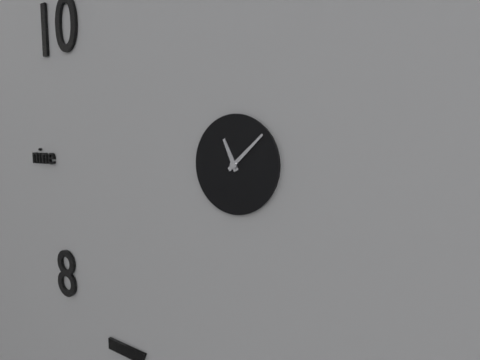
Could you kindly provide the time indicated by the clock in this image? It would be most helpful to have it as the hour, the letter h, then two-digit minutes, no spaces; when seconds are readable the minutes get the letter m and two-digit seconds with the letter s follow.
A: 11h08
